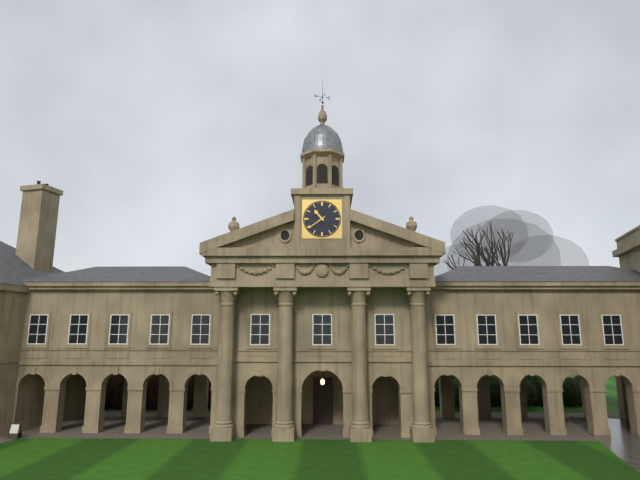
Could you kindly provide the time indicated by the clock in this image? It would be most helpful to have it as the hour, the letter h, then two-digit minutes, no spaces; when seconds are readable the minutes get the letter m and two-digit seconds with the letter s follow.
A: 10h39
